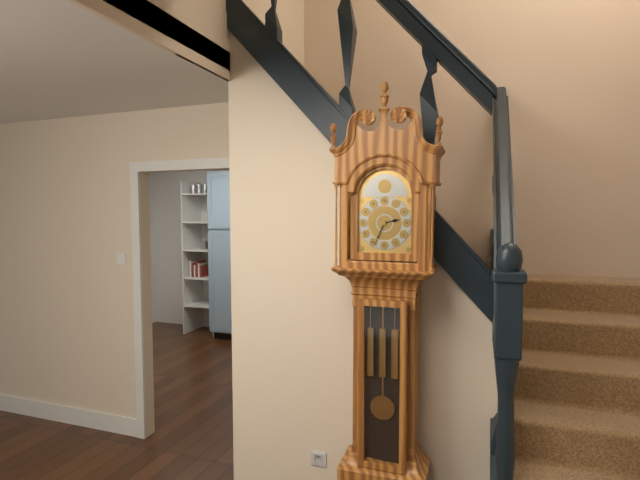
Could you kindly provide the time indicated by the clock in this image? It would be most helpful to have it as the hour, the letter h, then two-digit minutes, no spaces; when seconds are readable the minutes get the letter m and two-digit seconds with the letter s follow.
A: 2h34
